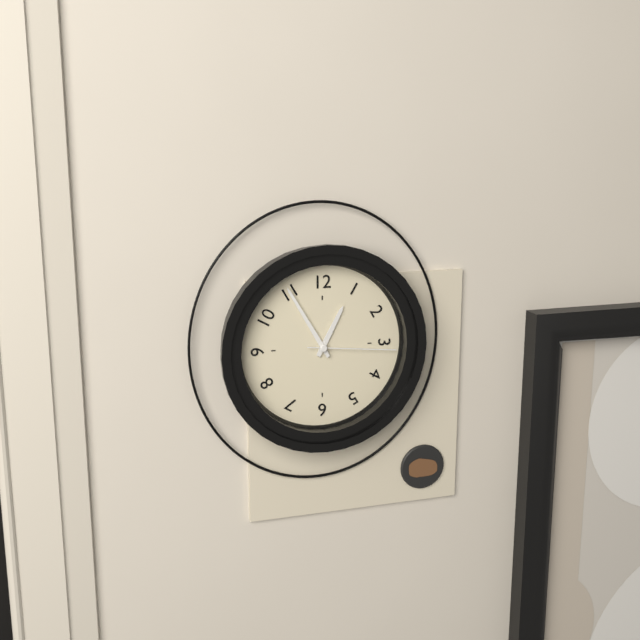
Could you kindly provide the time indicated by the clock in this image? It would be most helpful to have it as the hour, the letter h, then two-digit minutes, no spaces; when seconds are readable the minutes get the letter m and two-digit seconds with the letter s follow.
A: 12h55m16s
